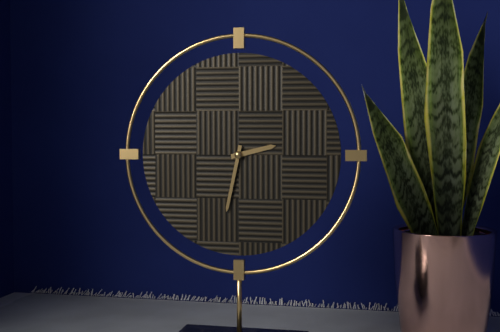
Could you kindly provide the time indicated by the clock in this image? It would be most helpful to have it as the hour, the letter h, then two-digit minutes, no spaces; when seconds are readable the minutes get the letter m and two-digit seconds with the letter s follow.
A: 2h32
